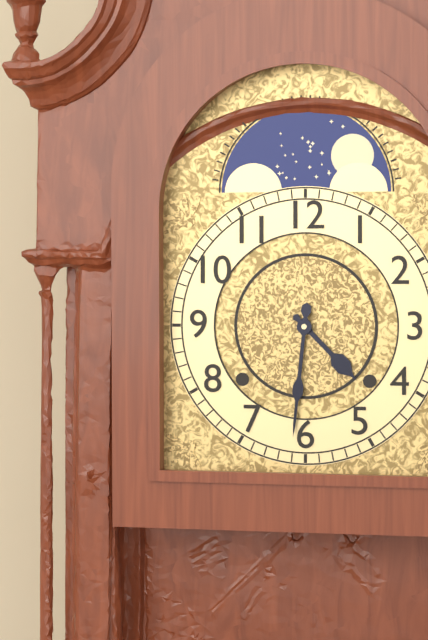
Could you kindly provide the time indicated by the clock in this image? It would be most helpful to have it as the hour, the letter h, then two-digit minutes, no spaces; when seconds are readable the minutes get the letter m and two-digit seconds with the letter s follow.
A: 4h31
